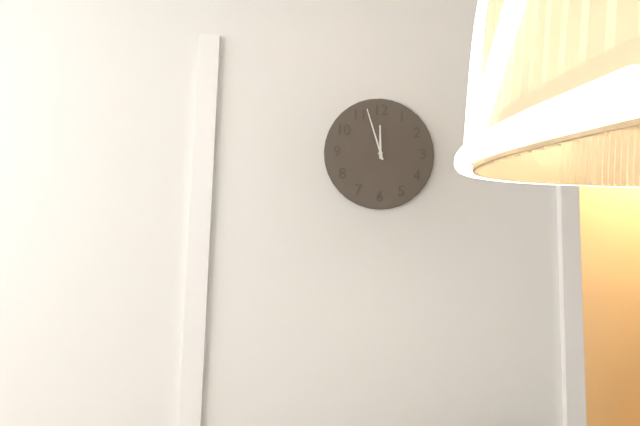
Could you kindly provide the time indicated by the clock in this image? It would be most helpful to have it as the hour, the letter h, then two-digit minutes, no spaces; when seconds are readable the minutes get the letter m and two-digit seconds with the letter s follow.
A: 11h57
